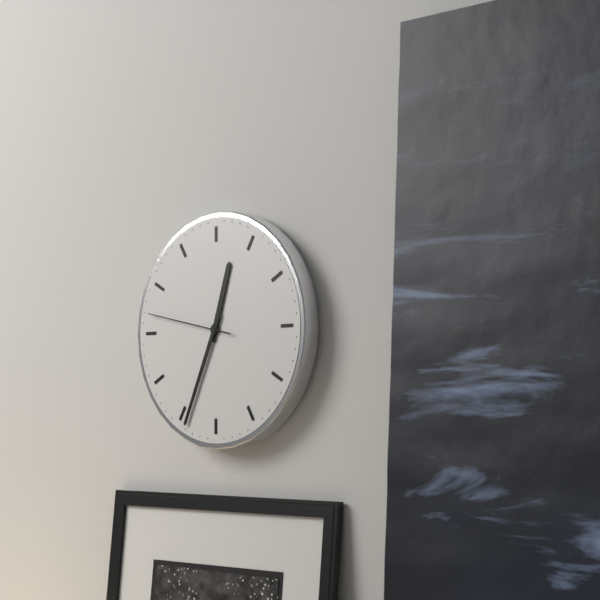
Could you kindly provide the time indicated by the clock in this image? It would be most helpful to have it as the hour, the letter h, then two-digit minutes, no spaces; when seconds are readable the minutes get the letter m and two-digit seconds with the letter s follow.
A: 12h34m47s
